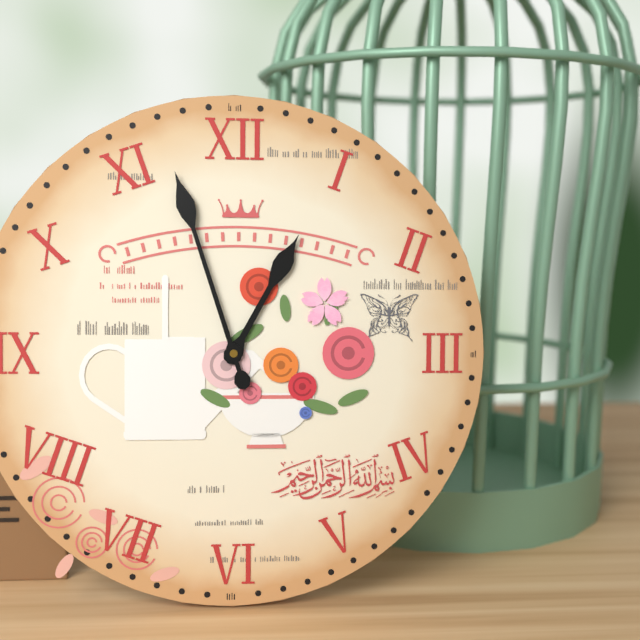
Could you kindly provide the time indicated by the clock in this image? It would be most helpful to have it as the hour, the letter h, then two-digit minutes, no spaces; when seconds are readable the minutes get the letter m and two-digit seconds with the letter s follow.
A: 12h57
